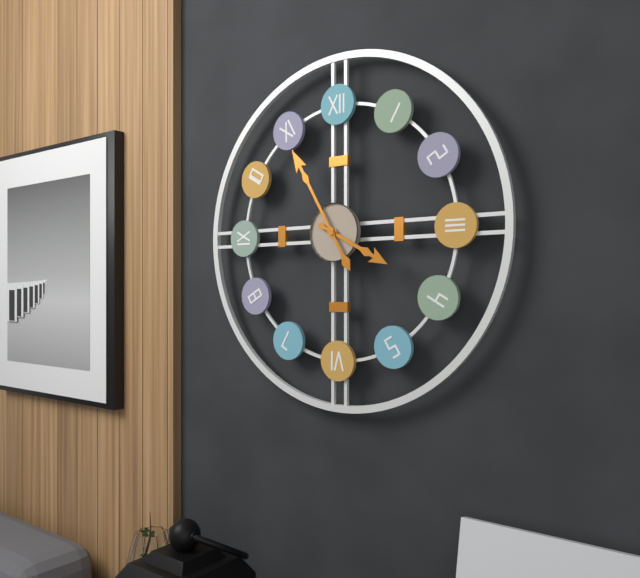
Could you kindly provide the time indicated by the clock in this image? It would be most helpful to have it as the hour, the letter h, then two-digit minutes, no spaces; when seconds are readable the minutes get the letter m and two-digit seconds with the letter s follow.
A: 3h55
